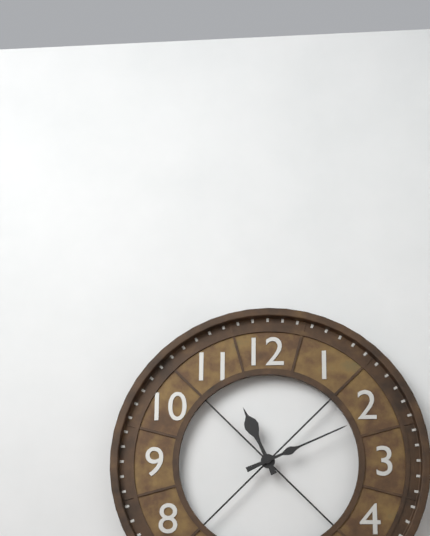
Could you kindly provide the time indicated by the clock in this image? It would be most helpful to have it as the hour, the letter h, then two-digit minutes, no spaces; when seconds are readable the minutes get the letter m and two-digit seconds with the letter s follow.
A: 11h11
